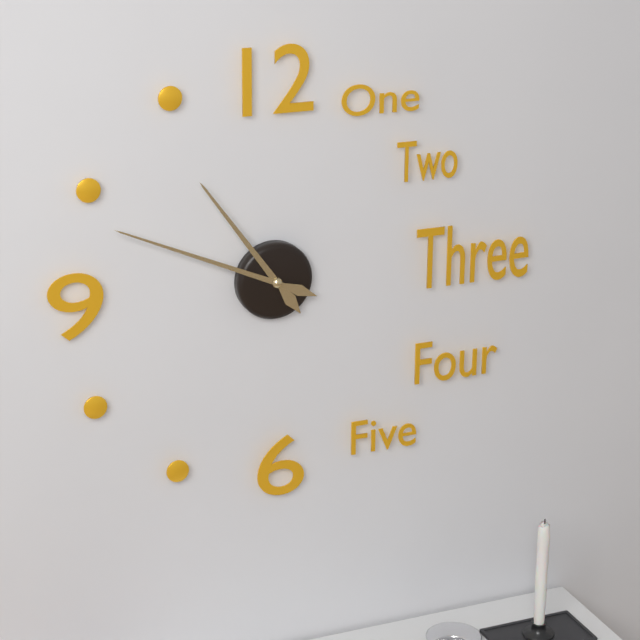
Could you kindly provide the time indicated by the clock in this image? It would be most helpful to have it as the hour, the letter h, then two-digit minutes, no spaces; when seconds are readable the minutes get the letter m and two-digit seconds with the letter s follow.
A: 10h49
